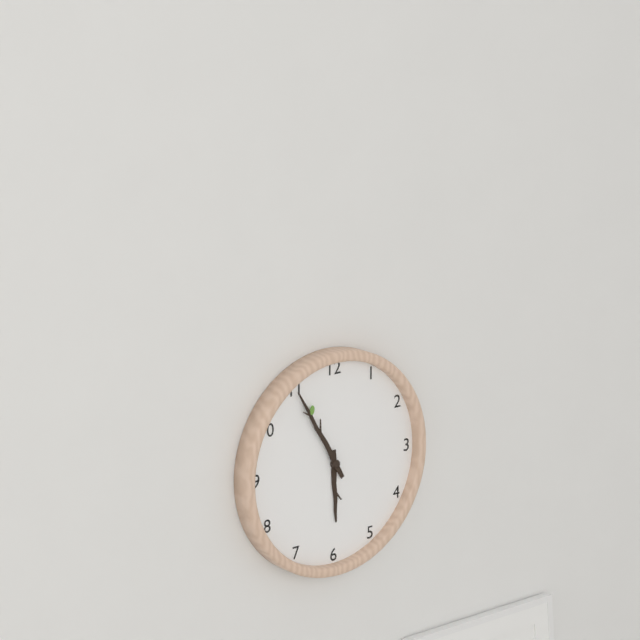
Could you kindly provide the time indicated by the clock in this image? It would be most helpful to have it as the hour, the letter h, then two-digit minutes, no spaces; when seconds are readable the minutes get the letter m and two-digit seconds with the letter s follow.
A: 5h55
